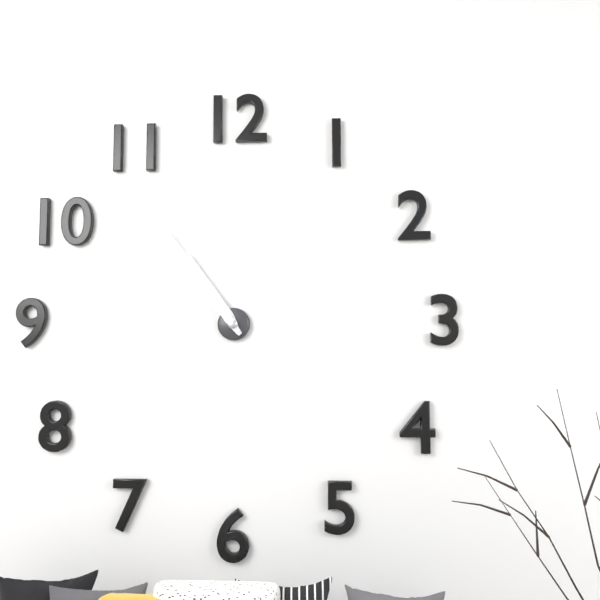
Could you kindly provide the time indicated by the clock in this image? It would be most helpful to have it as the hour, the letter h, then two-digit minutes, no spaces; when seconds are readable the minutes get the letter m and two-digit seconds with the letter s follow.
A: 10h54
